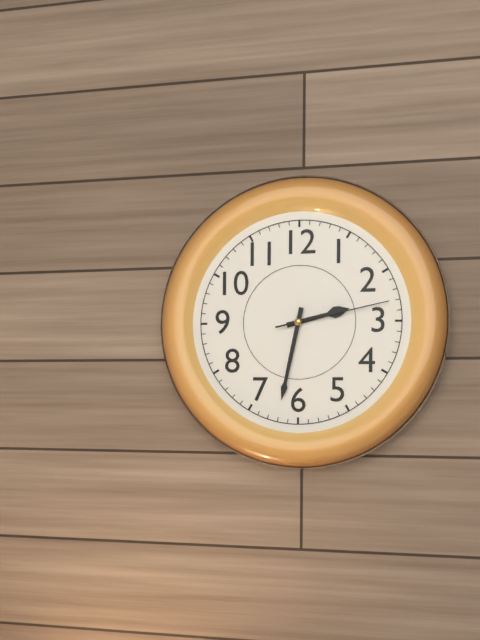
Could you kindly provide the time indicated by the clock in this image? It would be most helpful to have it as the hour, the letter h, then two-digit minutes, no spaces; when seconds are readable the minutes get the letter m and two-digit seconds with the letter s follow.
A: 2h32m13s
